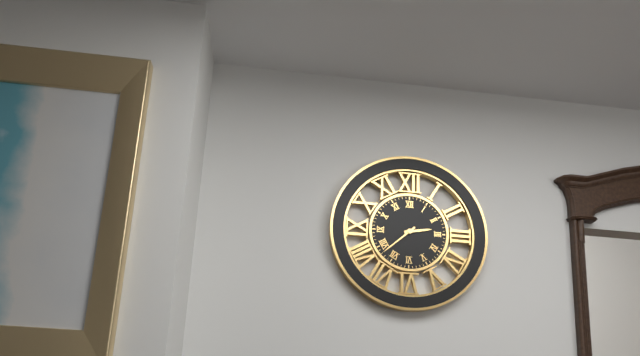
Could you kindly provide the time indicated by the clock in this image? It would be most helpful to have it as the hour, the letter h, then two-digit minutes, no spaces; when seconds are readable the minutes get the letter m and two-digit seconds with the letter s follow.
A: 2h38
